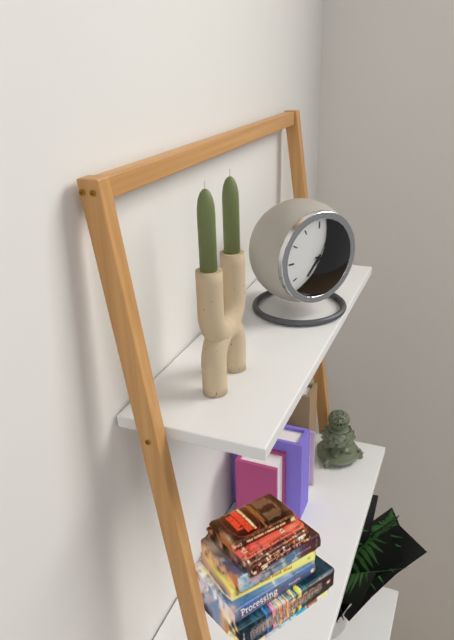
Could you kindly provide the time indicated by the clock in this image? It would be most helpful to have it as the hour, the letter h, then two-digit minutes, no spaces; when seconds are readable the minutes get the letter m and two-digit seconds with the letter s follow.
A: 7h18
